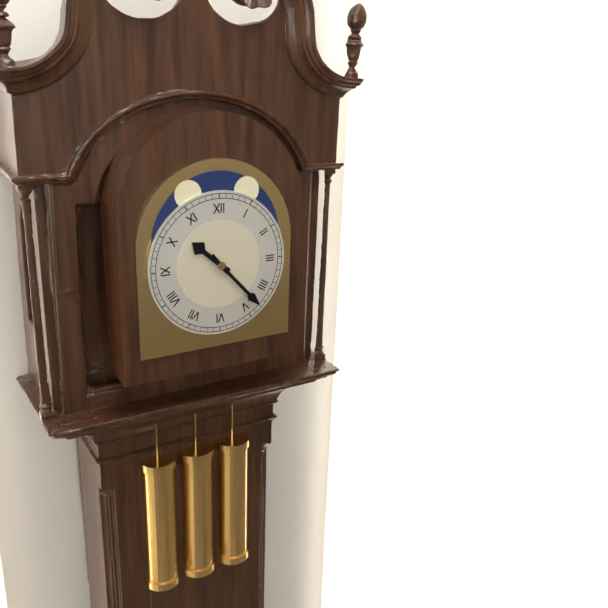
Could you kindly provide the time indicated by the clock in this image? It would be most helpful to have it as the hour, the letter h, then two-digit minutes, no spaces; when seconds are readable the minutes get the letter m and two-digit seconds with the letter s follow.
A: 10h23
